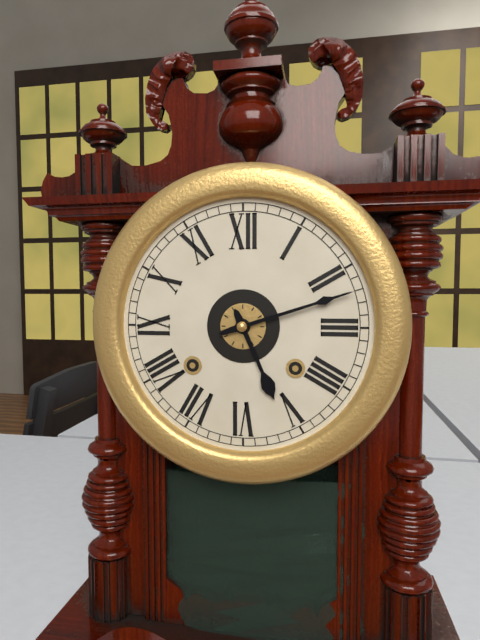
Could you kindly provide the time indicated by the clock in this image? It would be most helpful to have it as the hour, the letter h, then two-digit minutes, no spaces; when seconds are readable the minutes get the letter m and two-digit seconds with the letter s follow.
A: 5h12
